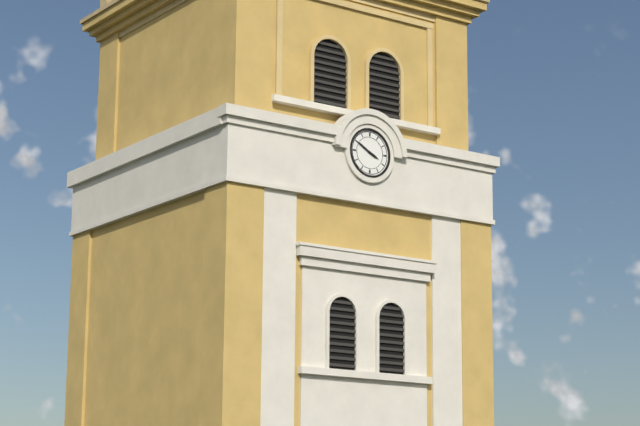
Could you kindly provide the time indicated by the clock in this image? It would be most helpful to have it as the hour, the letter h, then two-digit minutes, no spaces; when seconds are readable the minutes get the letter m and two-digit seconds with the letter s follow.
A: 3h50
